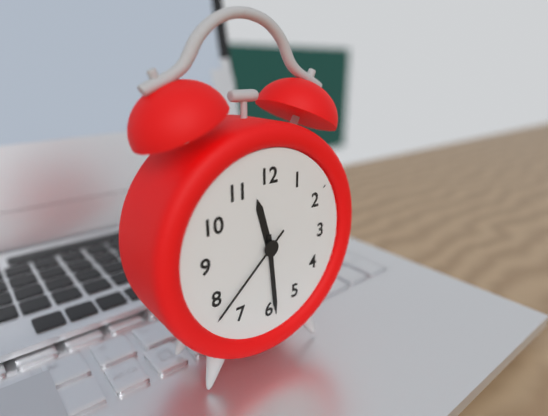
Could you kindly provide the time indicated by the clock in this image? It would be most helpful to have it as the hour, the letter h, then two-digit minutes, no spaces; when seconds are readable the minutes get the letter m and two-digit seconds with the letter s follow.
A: 11h29m38s
